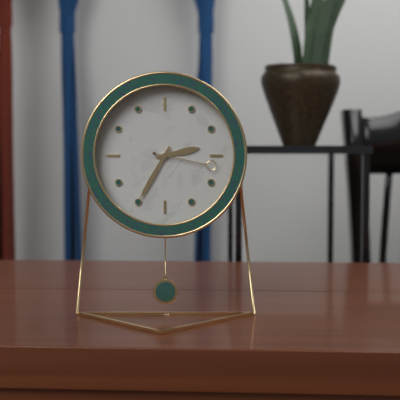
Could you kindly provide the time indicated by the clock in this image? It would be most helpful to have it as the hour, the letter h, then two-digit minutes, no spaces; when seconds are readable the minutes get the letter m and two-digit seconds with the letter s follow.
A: 2h35m17s
